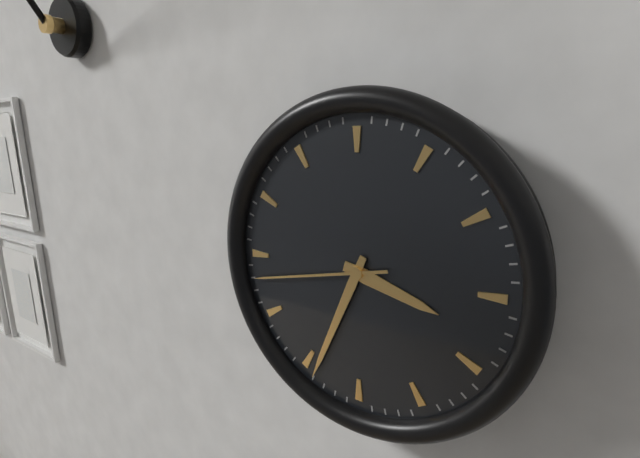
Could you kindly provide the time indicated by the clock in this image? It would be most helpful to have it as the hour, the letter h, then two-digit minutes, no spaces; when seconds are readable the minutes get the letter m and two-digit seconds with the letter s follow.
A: 3h34m43s
